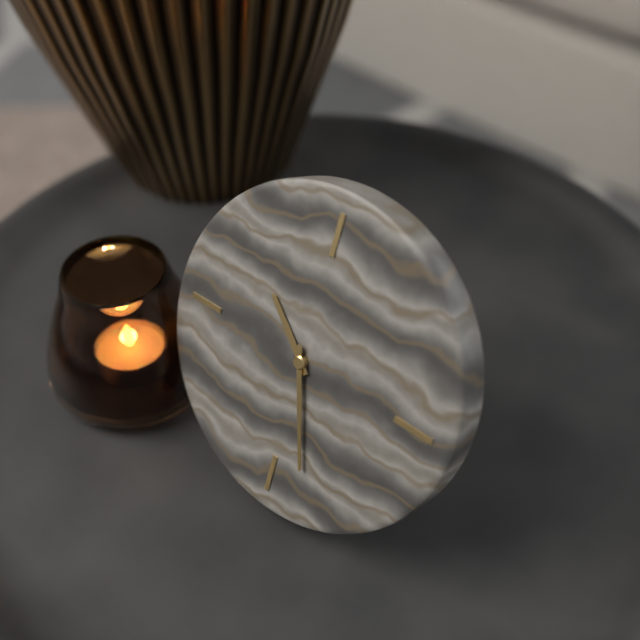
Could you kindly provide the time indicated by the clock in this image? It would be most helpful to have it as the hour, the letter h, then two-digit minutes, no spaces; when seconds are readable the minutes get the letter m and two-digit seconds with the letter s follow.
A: 10h27
